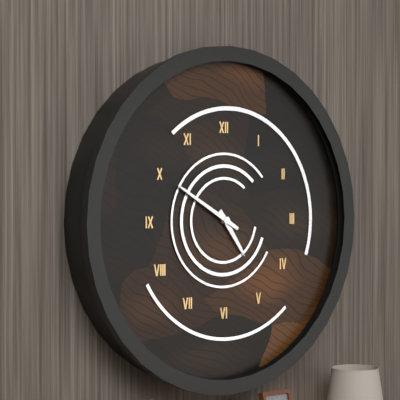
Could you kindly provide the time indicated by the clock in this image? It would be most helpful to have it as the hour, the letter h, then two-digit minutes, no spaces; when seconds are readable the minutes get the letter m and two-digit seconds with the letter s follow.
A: 4h50
